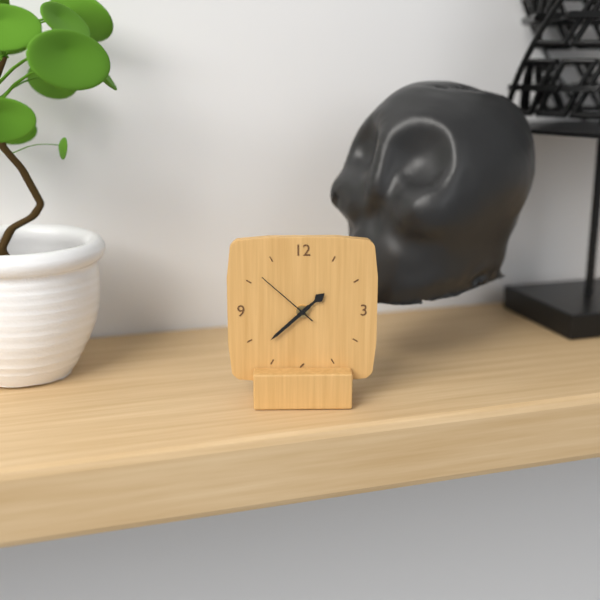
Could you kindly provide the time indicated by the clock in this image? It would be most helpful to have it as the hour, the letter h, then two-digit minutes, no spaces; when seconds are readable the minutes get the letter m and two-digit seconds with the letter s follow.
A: 1h38m52s
